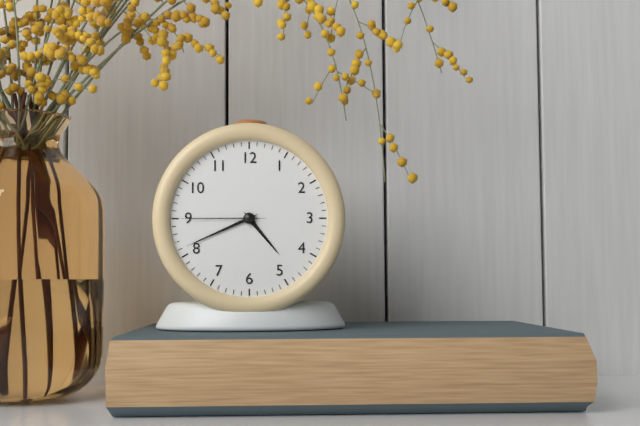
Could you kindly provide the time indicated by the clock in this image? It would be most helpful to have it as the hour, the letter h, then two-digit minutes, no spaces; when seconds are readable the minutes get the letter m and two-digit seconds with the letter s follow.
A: 4h41m45s
